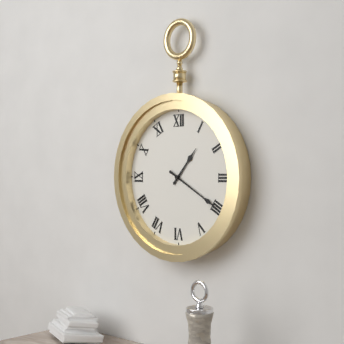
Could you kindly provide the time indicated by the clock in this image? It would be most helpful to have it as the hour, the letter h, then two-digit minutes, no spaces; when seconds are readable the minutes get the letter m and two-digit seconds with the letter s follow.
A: 1h20
